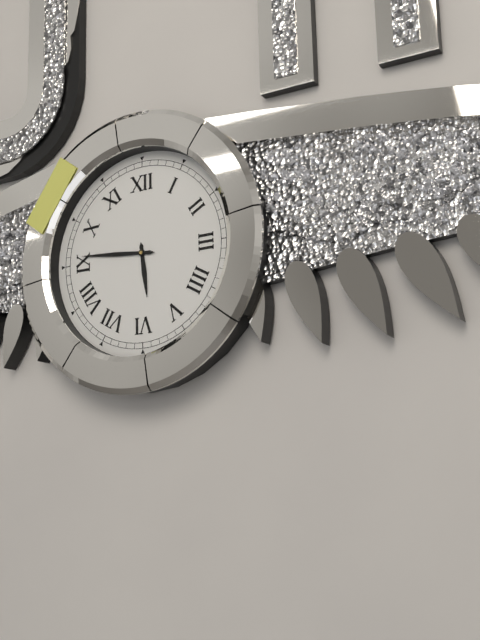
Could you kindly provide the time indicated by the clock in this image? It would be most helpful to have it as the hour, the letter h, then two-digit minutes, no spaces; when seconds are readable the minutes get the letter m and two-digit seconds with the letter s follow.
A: 5h46
